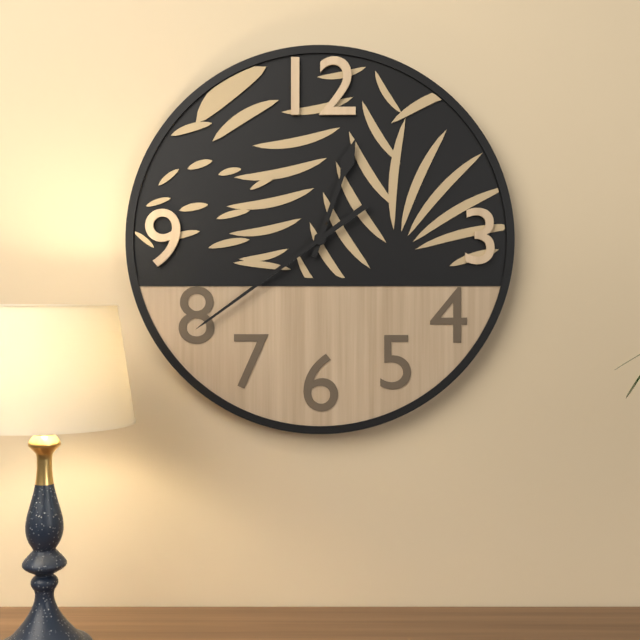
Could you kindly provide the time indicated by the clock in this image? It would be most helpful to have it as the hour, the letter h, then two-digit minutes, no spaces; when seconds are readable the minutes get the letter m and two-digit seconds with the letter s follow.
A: 12h39
